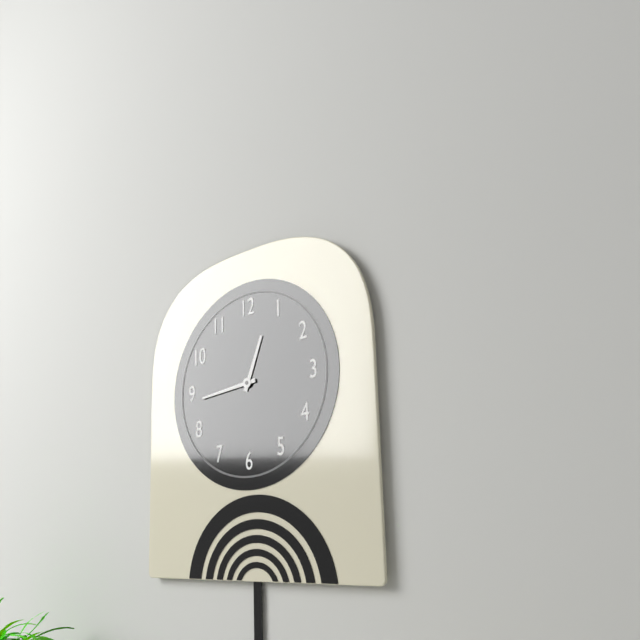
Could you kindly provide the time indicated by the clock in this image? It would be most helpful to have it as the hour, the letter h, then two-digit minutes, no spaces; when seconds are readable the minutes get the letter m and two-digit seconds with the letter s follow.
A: 12h44
